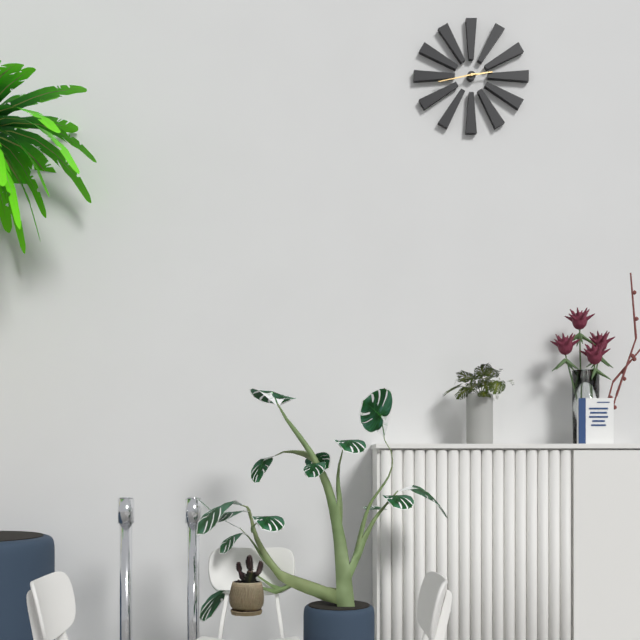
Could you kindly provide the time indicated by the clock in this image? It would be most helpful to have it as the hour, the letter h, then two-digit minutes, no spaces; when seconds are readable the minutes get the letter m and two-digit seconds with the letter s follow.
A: 2h43
